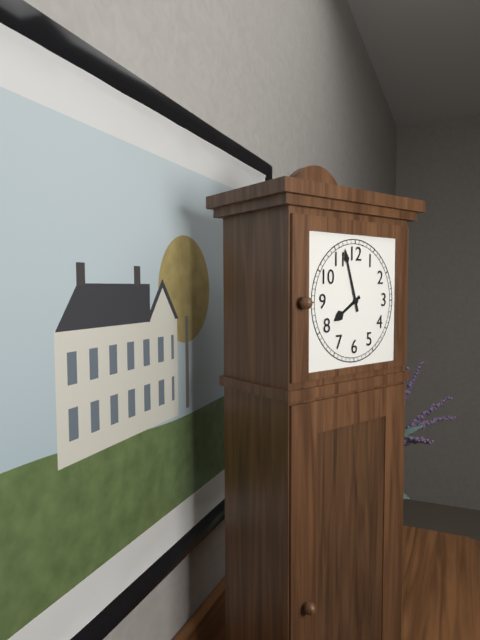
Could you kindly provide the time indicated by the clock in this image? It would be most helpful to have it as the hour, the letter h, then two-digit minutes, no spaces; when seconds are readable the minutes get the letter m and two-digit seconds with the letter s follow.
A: 7h57
